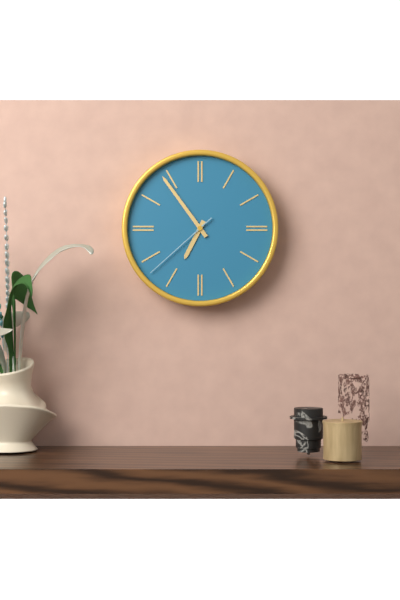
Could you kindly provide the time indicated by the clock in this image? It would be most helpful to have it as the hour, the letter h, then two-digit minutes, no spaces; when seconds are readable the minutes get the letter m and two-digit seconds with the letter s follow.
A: 6h54m38s
